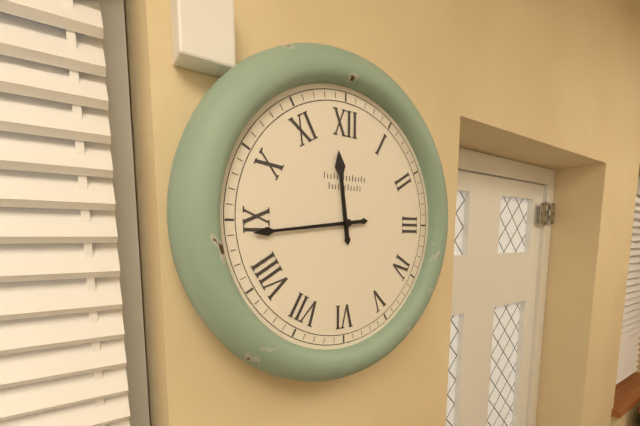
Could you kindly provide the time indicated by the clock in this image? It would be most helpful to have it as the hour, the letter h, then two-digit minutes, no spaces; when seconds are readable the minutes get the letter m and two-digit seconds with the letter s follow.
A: 11h44
